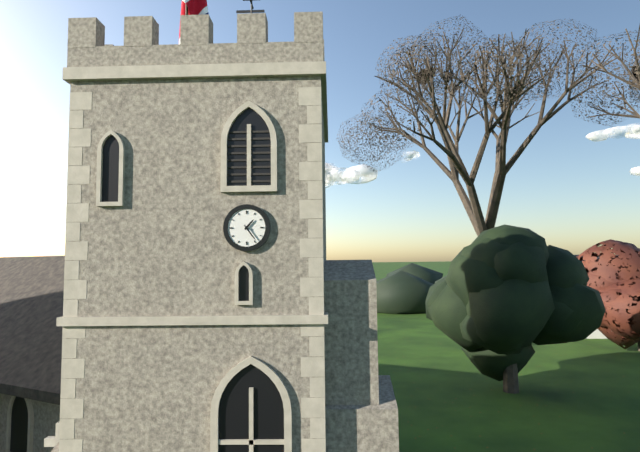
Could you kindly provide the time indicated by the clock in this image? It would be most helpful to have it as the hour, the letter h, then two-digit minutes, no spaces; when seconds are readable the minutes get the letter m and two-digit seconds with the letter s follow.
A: 1h24
